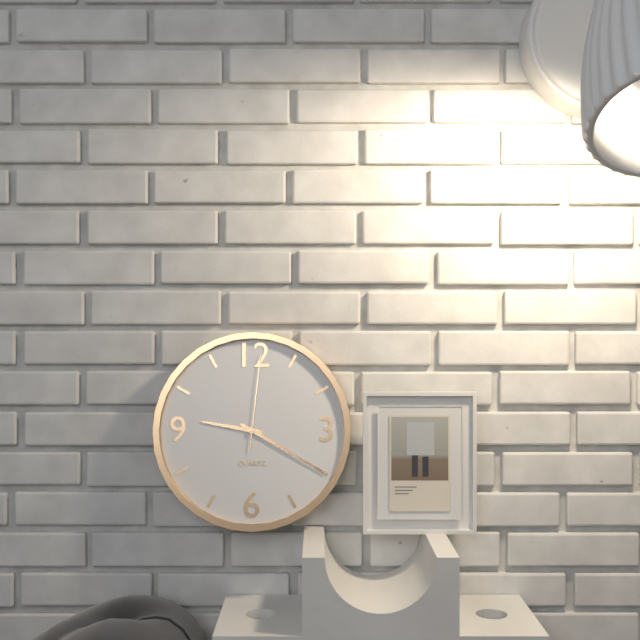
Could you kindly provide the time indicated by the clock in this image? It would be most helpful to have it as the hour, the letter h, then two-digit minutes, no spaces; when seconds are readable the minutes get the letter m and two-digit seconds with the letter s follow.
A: 9h20m01s
